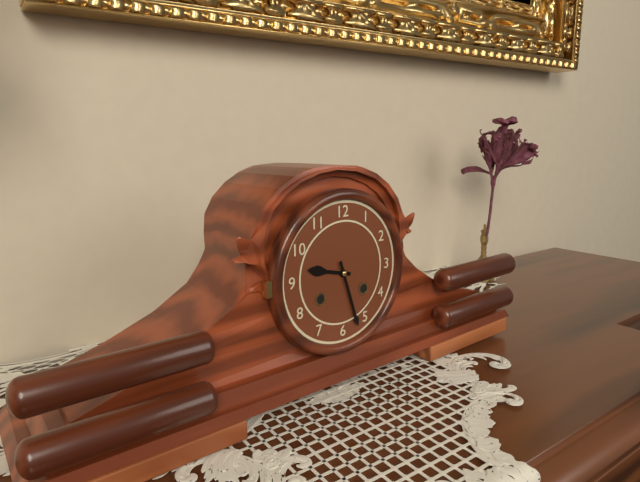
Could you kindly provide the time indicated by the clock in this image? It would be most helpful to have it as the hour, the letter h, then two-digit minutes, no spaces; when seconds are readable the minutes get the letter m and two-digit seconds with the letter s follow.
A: 9h27
